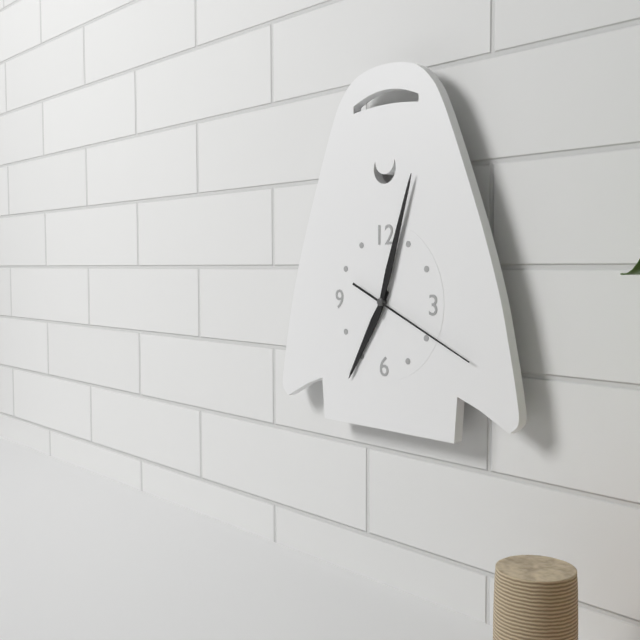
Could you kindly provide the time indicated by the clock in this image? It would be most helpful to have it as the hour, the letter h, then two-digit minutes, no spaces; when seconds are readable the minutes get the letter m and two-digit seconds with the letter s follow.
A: 7h03m19s
